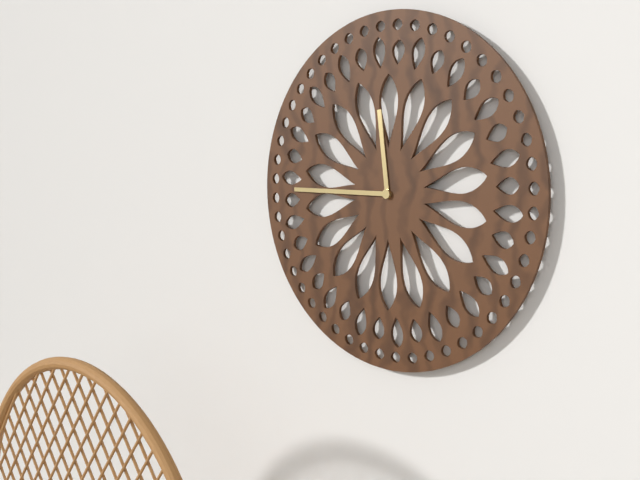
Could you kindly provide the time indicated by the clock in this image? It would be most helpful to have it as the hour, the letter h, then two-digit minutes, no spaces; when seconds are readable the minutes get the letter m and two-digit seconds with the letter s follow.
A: 11h45
